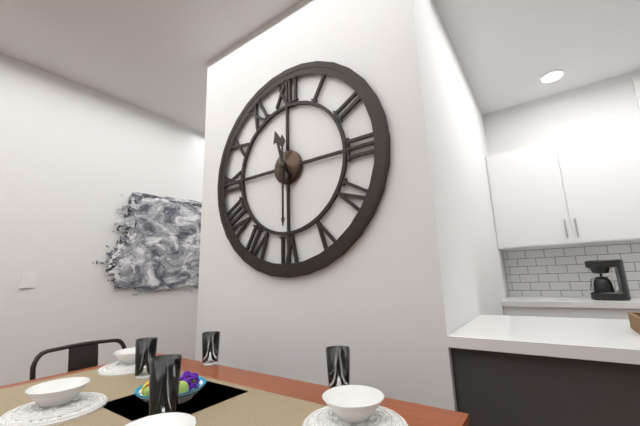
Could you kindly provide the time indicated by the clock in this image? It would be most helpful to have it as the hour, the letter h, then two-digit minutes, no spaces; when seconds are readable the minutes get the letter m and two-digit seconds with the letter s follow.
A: 11h30
